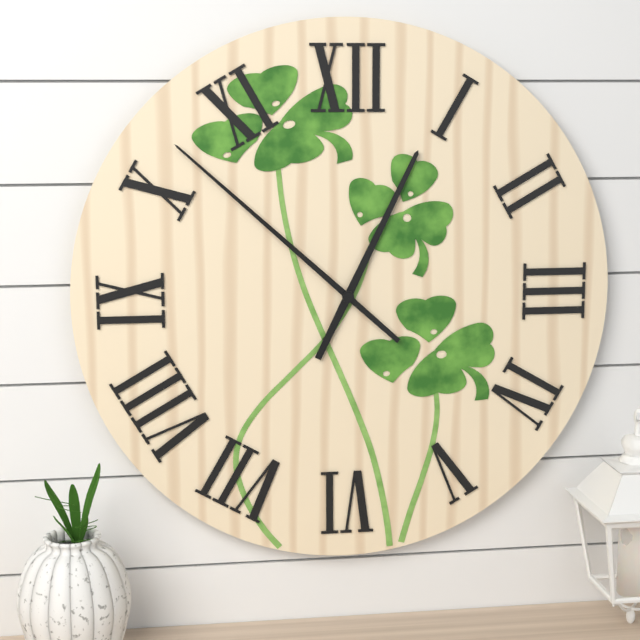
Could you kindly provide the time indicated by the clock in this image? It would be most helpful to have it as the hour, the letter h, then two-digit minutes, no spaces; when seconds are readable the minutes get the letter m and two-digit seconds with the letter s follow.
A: 12h52
